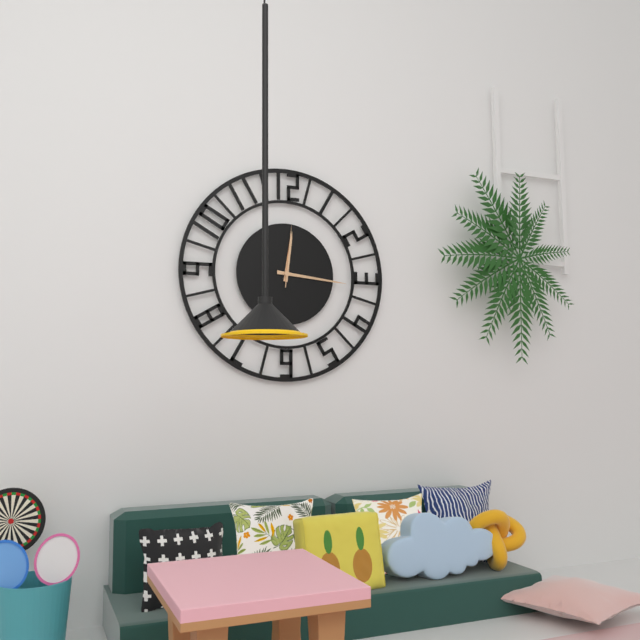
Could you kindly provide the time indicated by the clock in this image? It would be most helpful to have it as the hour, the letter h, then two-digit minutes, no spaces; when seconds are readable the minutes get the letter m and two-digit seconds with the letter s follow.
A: 12h16m01s
